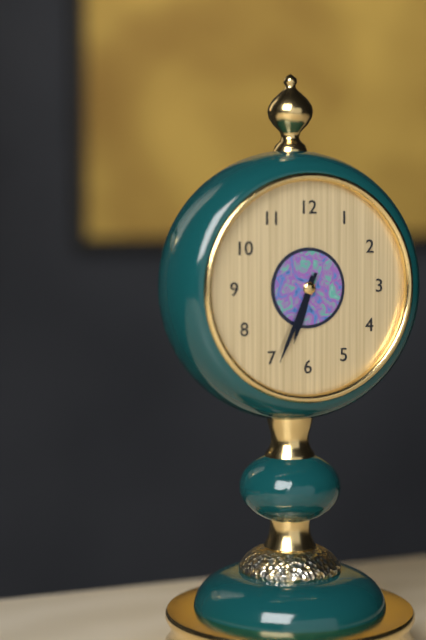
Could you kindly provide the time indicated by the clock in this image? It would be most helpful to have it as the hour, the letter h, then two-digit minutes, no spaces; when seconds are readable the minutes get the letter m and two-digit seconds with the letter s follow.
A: 6h34
